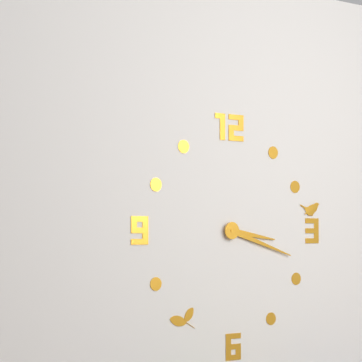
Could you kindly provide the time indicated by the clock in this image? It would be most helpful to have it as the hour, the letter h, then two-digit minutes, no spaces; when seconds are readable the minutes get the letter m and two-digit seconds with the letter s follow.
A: 3h18
